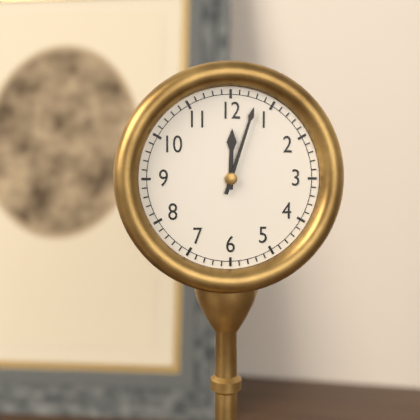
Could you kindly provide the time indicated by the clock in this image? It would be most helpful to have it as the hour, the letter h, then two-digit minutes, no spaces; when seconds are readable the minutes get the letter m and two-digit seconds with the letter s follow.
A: 12h03
